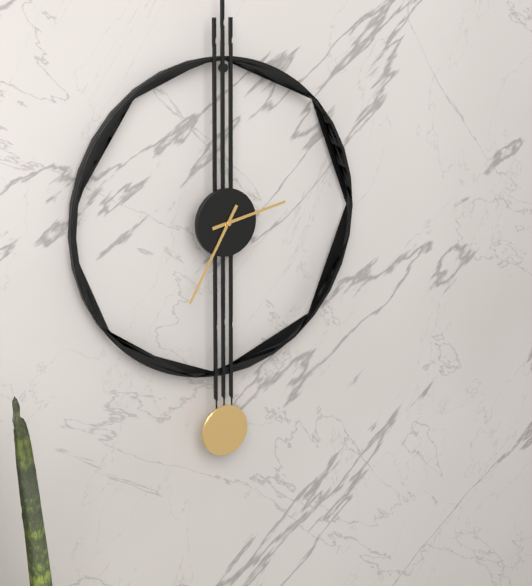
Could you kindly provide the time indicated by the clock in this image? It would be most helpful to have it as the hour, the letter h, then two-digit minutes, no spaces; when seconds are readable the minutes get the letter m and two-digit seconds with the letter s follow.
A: 2h35
